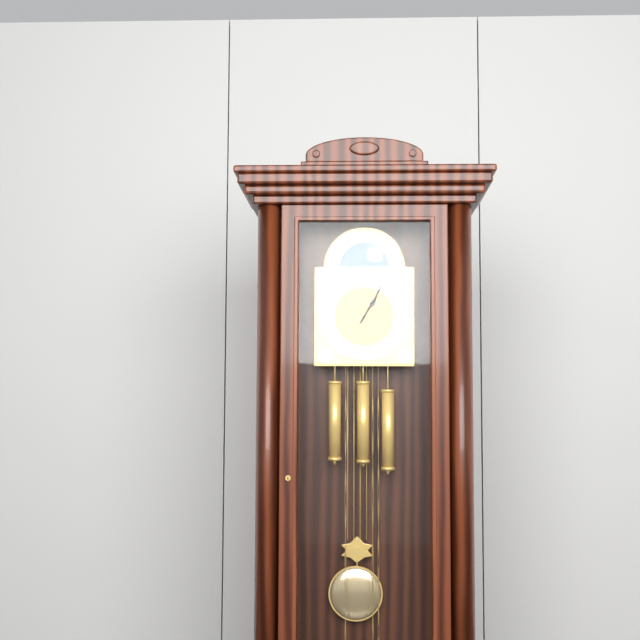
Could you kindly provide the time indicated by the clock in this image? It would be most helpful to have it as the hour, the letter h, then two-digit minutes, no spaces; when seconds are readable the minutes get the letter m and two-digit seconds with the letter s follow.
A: 1h05
